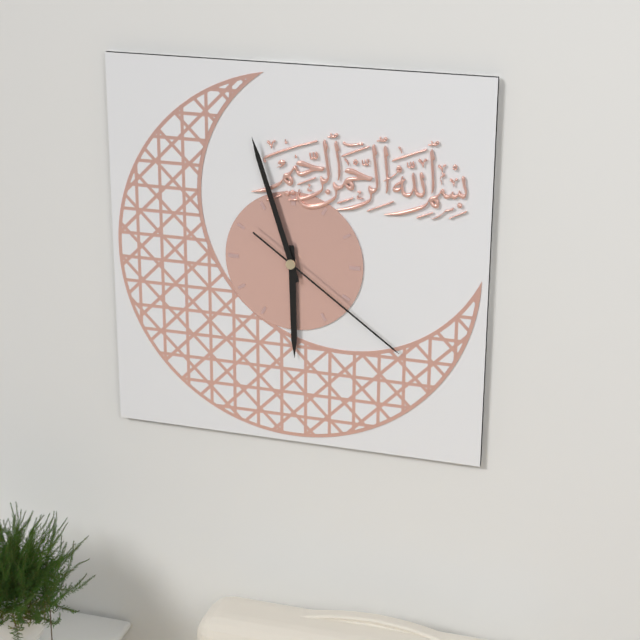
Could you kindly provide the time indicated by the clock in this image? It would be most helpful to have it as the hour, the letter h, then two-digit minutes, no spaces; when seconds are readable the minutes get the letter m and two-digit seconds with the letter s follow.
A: 5h57m21s
